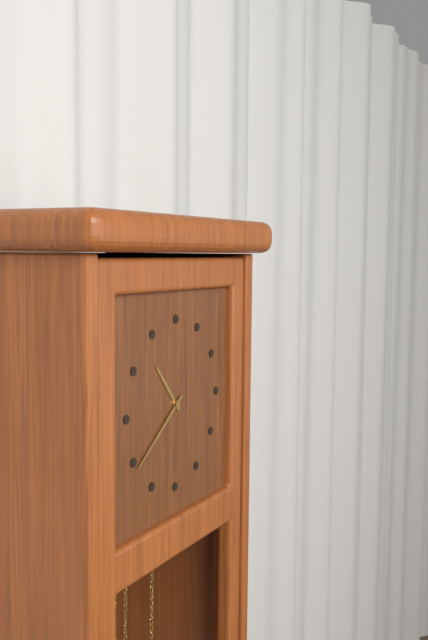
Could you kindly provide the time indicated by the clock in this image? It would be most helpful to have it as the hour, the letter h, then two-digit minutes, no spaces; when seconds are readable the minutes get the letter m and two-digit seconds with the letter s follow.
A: 10h39
